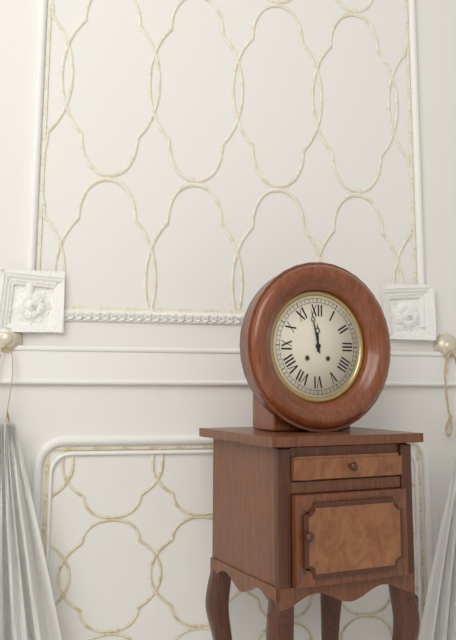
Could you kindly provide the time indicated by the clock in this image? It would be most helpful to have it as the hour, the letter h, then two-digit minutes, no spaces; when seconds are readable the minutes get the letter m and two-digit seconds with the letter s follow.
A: 11h58
